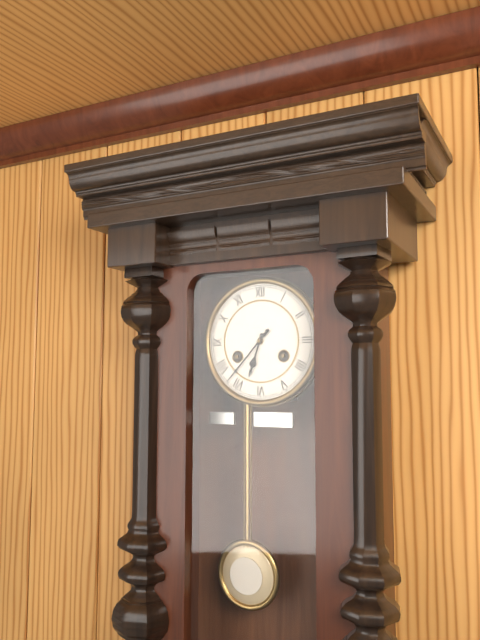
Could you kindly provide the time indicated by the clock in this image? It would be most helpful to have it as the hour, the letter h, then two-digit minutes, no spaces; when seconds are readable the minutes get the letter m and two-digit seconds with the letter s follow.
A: 6h37
